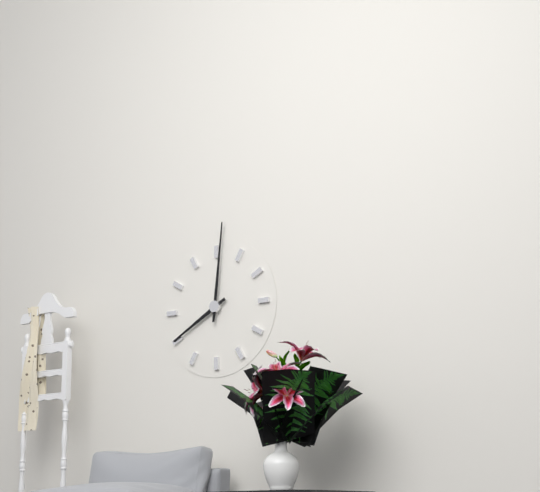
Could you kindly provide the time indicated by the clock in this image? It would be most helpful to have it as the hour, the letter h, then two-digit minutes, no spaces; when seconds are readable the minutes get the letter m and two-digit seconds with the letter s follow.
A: 8h01
